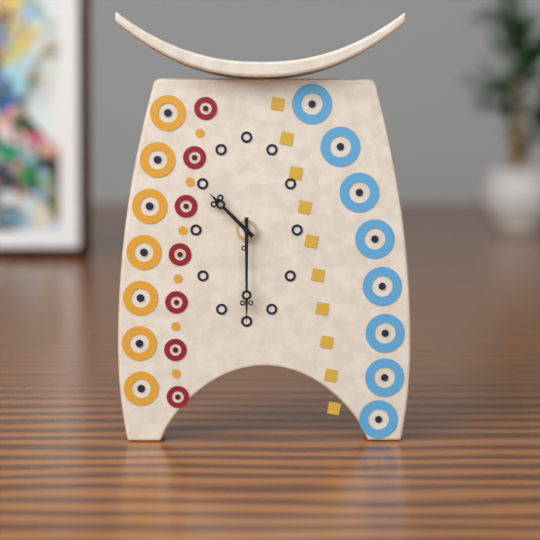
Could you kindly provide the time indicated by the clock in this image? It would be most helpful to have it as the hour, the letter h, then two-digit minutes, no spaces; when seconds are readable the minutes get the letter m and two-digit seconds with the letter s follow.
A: 10h30
